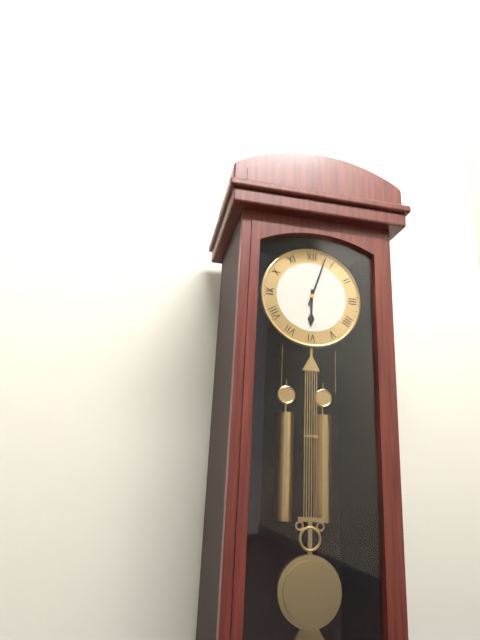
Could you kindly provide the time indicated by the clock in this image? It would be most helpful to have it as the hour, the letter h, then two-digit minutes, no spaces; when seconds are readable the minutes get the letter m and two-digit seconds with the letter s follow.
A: 6h03
